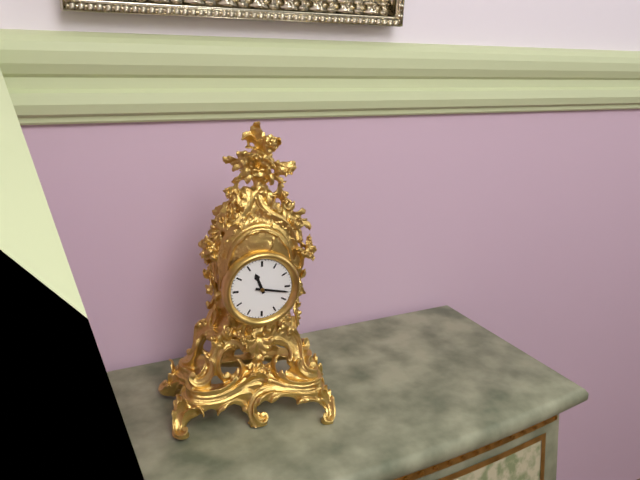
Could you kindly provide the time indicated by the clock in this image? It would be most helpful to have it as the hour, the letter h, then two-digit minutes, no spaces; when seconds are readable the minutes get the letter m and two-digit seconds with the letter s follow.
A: 11h17
